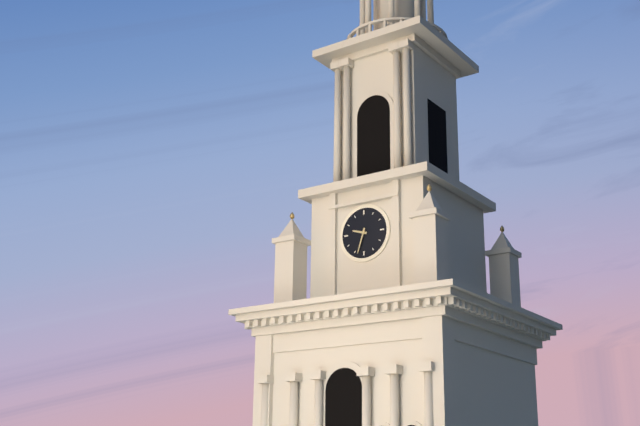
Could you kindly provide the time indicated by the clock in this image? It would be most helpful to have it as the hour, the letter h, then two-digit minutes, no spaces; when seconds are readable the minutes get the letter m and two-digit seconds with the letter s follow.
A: 9h33
